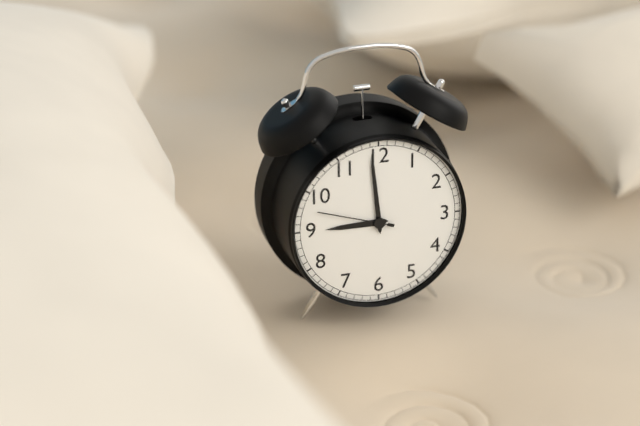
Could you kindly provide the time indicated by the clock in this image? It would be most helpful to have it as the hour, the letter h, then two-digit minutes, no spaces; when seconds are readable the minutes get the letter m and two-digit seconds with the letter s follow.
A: 8h59m48s
